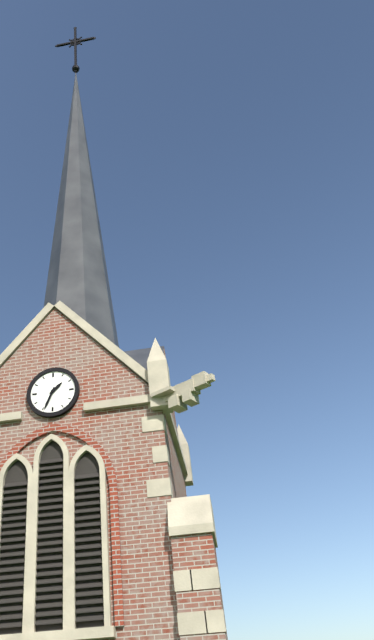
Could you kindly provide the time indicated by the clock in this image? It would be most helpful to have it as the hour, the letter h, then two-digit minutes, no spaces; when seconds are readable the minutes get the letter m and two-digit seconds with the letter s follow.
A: 1h34
